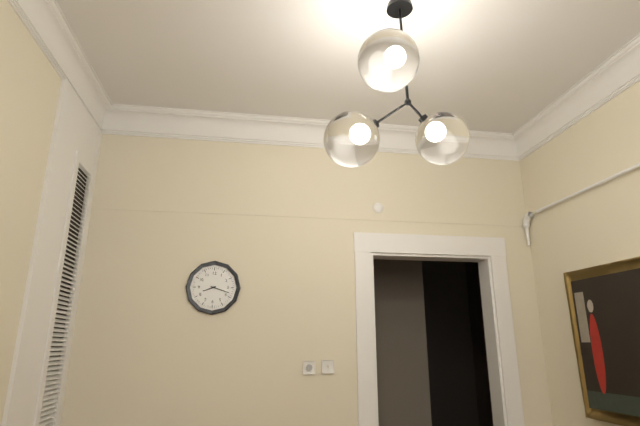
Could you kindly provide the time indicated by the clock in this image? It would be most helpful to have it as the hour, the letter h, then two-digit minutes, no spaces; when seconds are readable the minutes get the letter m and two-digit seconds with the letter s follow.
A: 8h18
